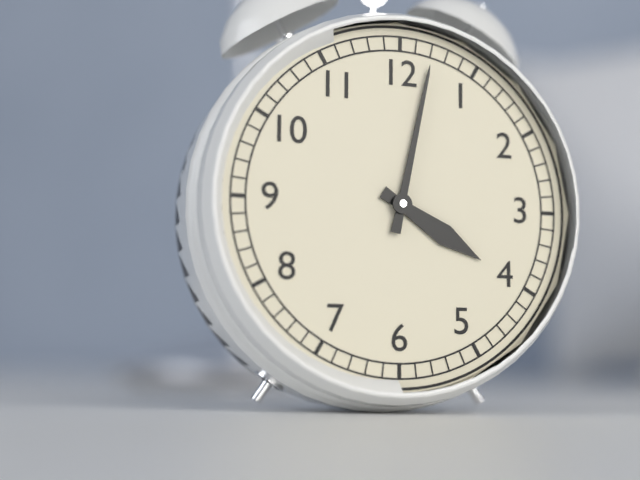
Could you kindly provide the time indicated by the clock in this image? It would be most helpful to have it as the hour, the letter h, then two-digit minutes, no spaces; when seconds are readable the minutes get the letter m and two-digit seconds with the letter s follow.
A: 4h02
